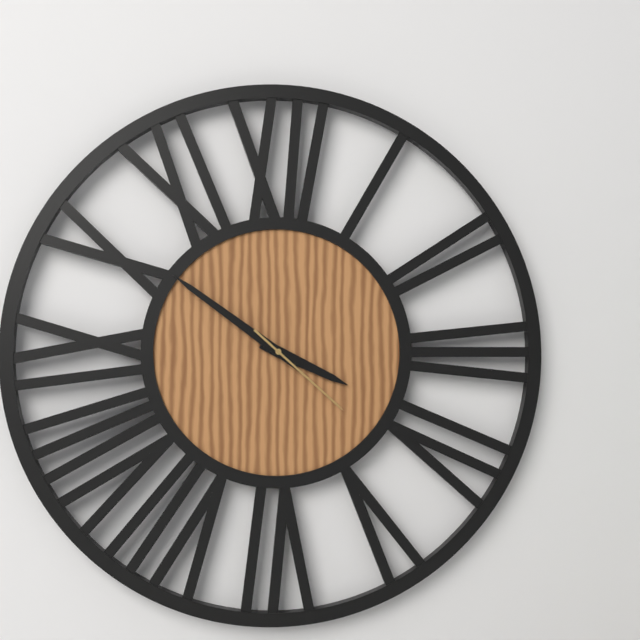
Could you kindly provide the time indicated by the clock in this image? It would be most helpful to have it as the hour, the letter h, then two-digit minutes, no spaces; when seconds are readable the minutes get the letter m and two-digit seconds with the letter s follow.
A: 3h51m22s
